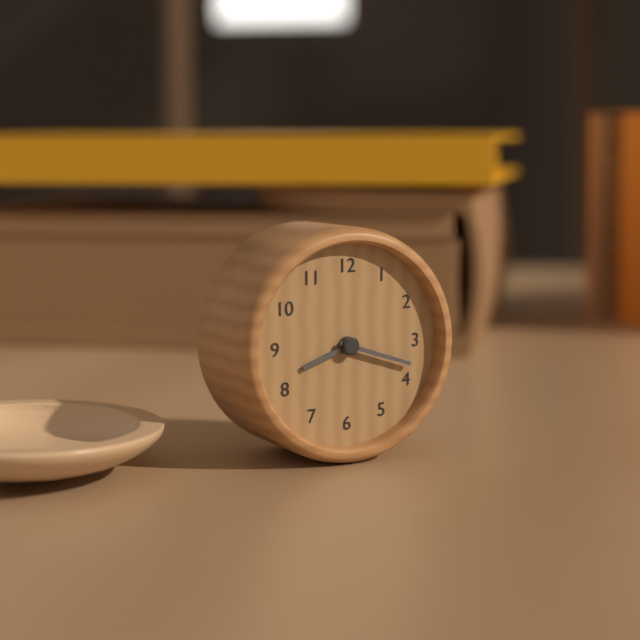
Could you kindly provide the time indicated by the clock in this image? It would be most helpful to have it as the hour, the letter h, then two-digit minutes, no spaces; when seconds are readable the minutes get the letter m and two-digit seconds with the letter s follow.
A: 8h18
